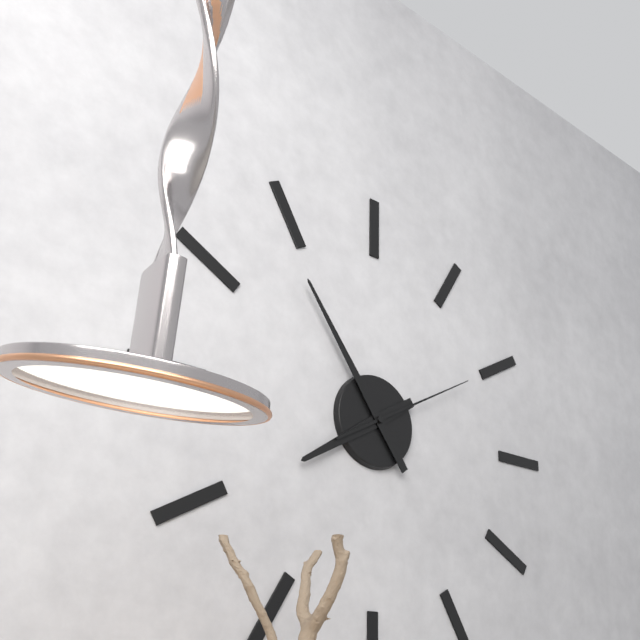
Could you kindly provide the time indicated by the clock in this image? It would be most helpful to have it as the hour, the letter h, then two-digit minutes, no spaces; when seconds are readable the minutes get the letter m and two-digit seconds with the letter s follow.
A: 7h54m10s
